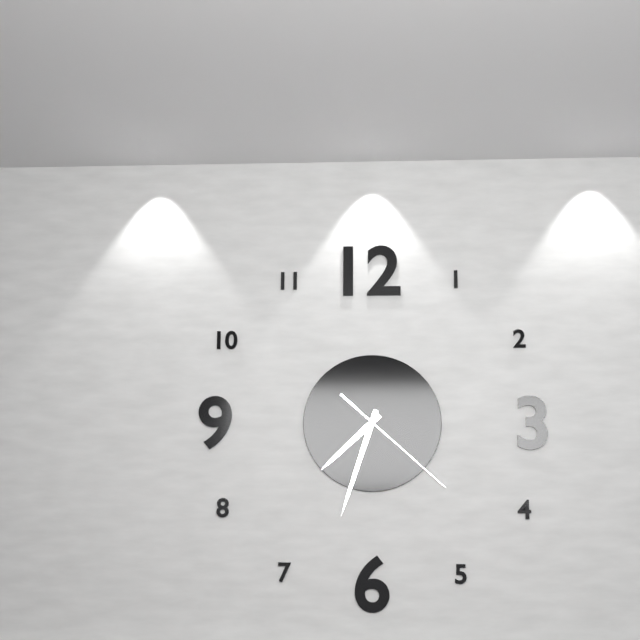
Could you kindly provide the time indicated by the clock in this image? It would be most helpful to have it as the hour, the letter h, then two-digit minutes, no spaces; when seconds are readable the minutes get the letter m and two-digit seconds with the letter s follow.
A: 7h33m22s
